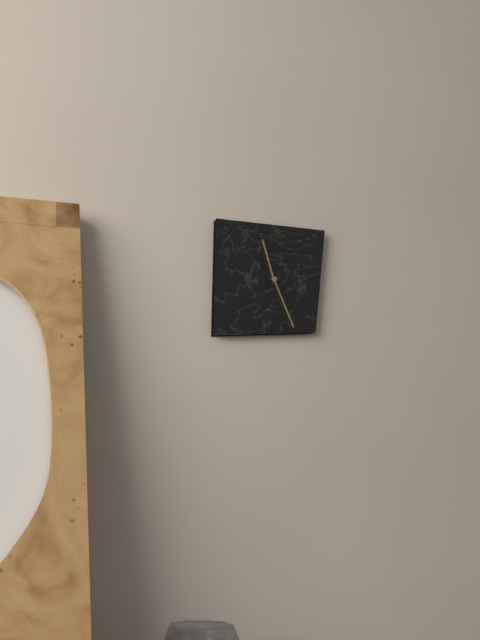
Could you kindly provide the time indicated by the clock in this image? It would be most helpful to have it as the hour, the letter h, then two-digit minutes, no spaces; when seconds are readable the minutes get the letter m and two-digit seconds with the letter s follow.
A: 11h26
